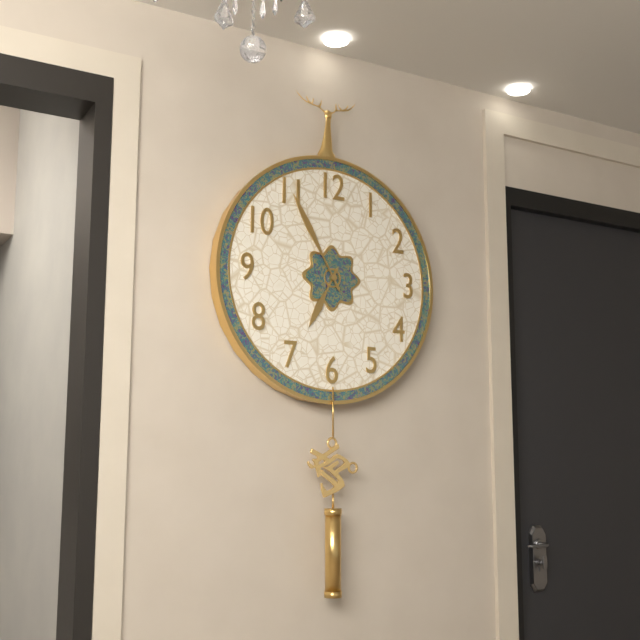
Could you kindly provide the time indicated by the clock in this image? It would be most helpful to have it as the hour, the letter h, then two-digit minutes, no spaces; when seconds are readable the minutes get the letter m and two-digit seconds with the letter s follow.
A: 6h55
